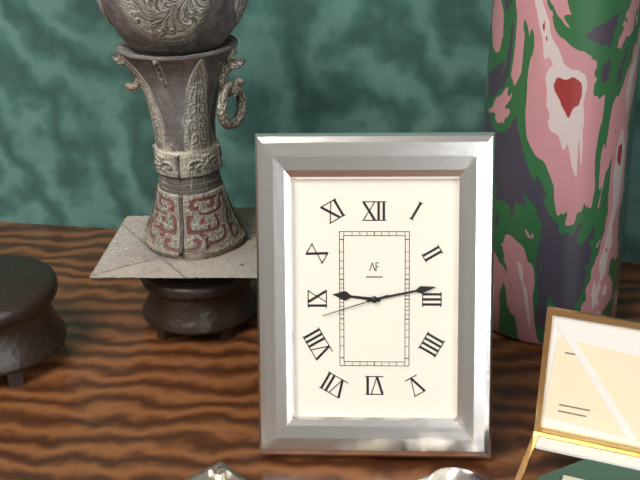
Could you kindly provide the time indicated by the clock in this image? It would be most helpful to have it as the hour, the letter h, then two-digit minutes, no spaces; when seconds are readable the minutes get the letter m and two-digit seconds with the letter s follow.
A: 9h13m42s
